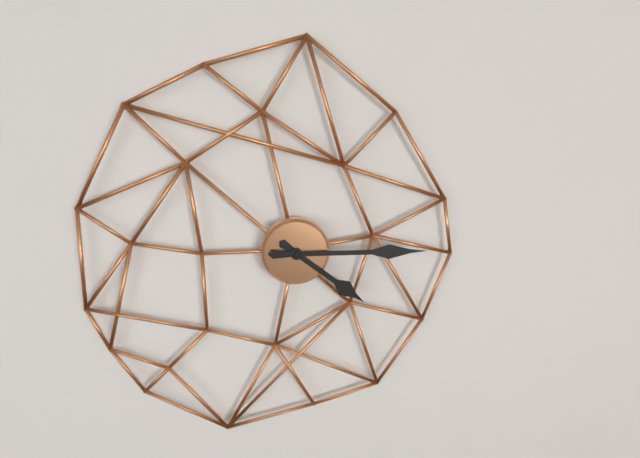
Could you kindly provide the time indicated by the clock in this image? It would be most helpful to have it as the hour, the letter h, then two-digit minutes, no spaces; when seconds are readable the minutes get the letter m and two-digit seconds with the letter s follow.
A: 4h15
